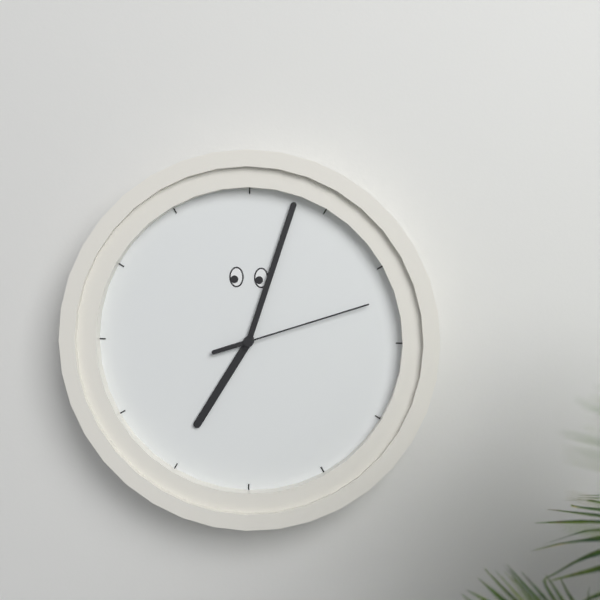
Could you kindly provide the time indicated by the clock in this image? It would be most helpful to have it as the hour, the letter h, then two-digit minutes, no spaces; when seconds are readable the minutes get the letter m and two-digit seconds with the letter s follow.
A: 7h03m12s
